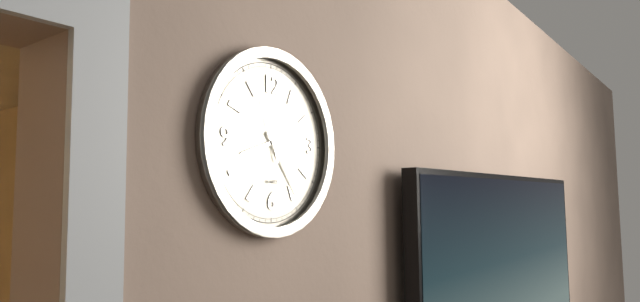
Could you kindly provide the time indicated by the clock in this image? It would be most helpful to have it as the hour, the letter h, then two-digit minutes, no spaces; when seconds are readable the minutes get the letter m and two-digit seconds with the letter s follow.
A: 8h24m57s
